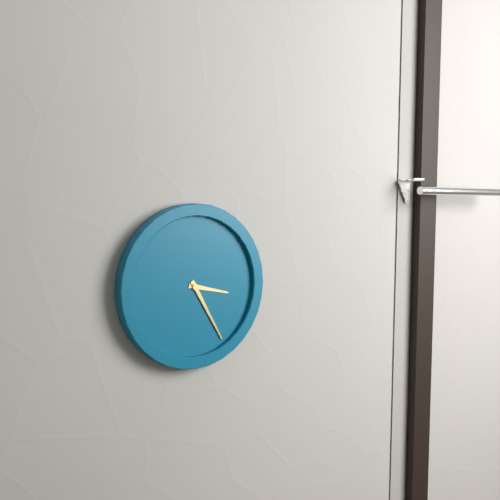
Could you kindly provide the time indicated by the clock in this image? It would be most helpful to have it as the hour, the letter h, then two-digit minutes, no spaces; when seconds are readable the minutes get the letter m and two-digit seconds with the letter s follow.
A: 3h25
